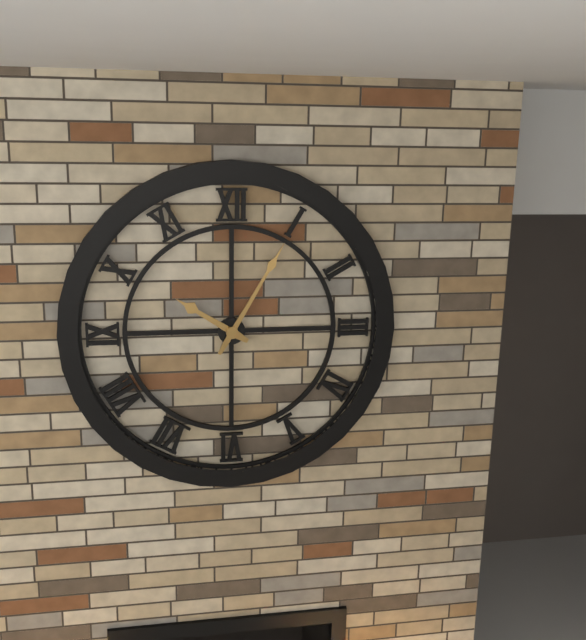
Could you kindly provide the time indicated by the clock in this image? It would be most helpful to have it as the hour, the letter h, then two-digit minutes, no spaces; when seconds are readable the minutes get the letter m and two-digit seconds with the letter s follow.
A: 10h05
